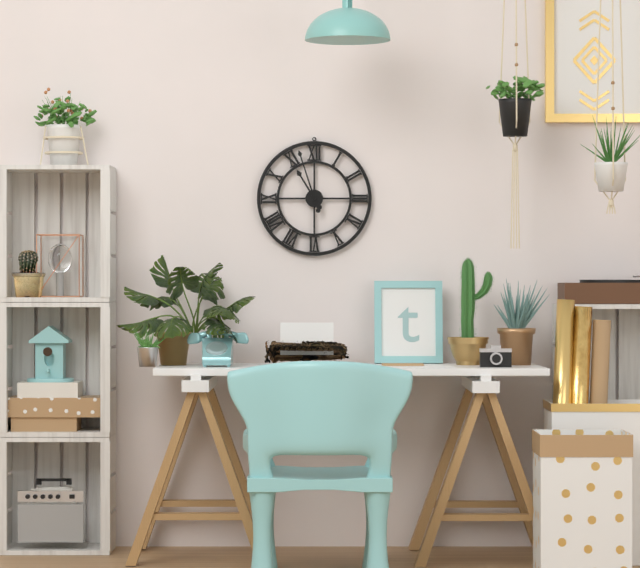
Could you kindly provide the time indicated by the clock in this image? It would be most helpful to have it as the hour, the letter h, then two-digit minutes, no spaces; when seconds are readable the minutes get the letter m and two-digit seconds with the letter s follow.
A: 10h57
